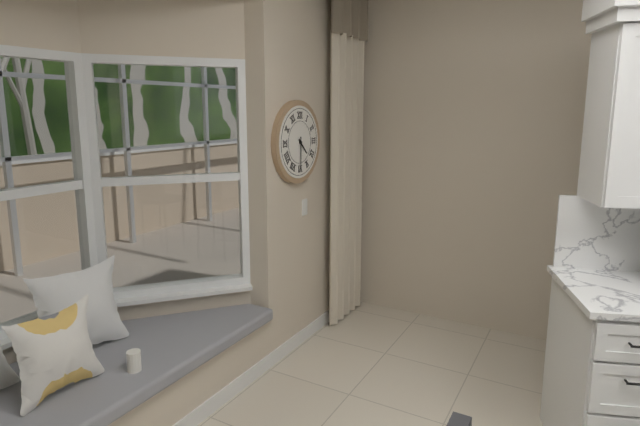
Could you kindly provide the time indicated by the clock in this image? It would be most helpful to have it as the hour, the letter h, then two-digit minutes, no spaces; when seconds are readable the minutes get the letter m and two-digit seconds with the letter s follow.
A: 4h30
